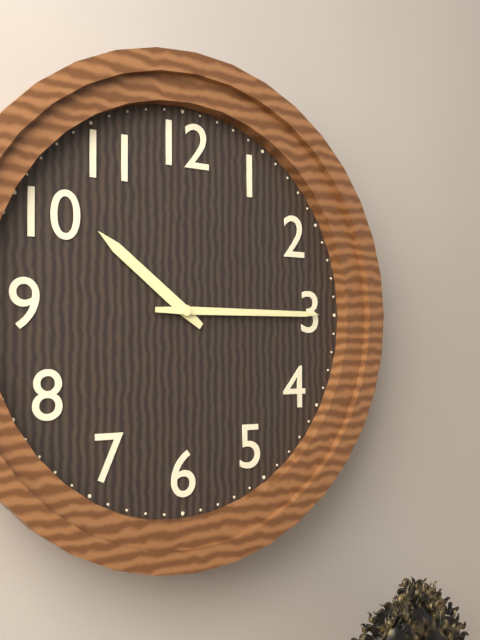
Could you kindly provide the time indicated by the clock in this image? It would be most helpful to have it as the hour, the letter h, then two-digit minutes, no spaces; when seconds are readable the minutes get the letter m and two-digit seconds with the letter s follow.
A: 10h15
